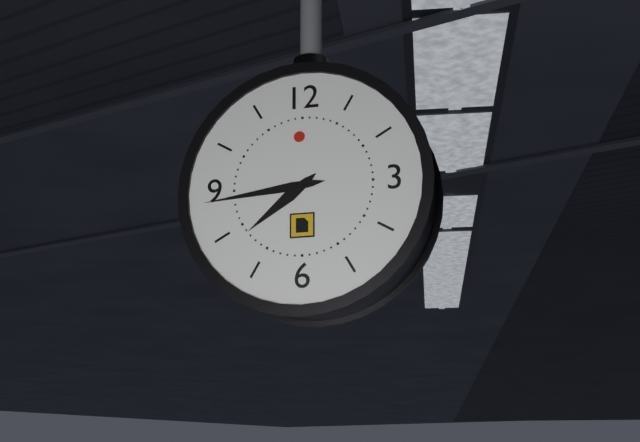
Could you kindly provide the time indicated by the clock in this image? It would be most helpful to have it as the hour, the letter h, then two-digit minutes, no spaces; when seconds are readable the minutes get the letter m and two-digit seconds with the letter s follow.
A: 7h44
